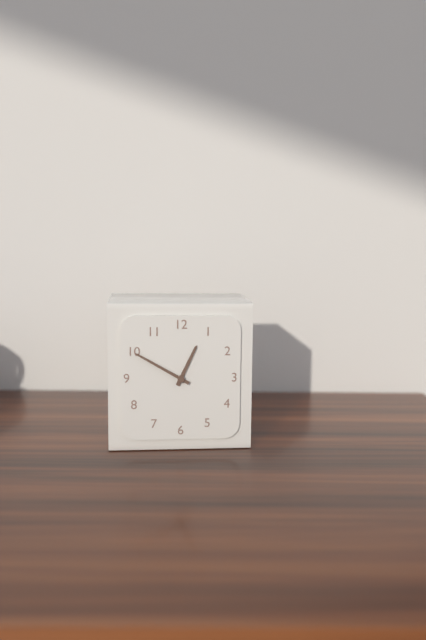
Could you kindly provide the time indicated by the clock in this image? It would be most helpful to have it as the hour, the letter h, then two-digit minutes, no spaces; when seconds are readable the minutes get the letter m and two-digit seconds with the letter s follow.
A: 12h50
